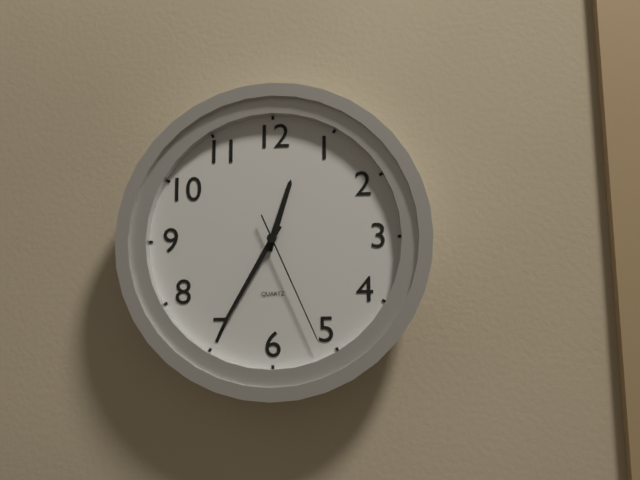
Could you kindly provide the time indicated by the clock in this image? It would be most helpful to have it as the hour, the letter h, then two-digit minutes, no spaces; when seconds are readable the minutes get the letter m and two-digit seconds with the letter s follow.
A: 12h35m26s
